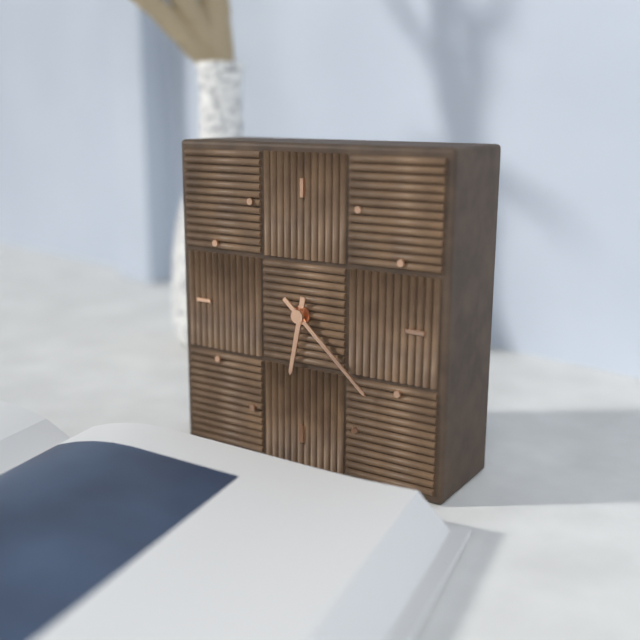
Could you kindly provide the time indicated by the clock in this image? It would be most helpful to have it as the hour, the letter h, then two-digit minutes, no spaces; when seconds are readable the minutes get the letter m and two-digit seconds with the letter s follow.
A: 6h22
